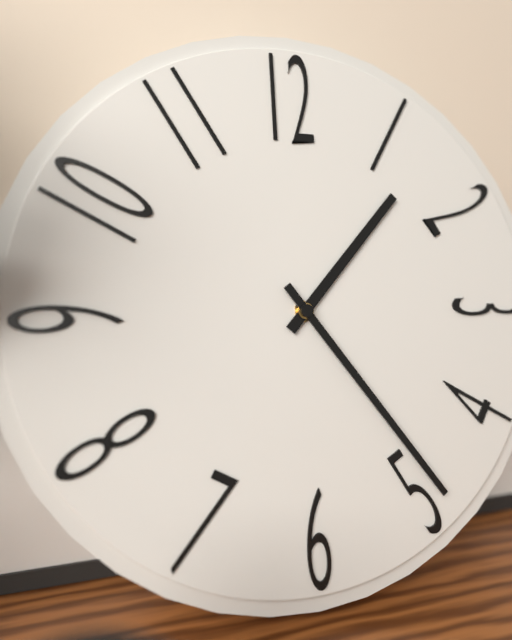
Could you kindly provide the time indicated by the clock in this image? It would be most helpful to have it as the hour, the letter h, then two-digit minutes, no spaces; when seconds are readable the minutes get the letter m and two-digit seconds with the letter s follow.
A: 1h24
